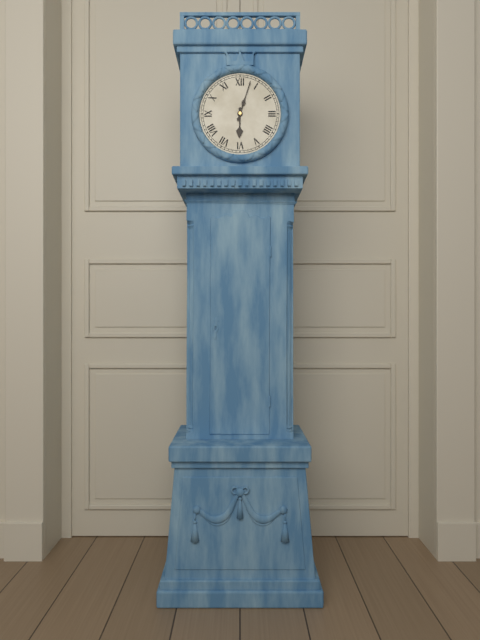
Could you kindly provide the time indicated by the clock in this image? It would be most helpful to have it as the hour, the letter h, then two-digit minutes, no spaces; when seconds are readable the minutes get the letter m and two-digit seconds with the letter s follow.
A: 6h03
